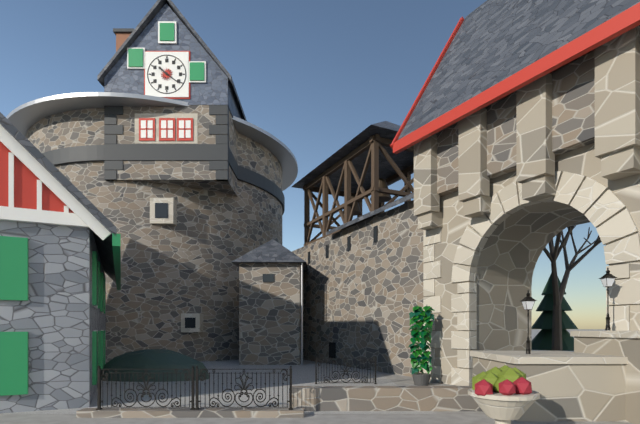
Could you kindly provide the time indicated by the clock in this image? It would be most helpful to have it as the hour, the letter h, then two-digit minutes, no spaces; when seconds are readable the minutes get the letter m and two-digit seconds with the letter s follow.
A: 10h21
